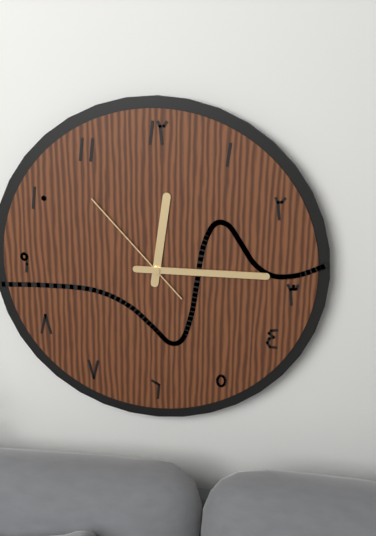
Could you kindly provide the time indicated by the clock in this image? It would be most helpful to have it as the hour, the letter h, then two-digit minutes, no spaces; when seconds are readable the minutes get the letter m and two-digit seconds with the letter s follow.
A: 12h15m53s
